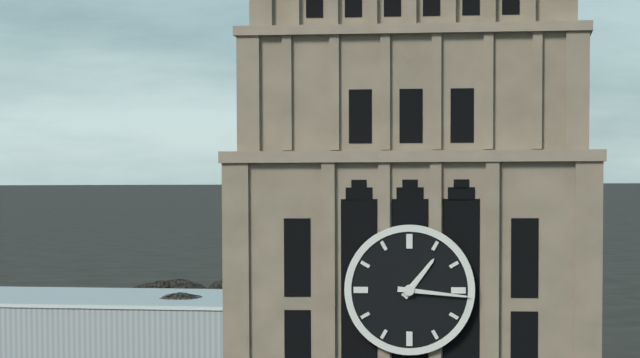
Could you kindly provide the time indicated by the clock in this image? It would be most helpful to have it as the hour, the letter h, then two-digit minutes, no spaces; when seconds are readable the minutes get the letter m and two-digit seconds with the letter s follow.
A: 1h16
